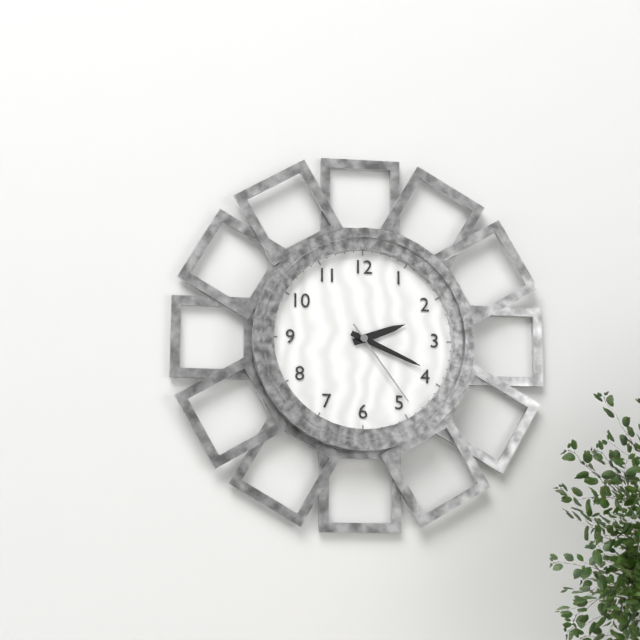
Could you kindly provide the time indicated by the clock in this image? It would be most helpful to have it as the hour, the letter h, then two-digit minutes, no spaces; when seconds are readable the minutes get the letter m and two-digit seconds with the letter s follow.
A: 2h19m24s
